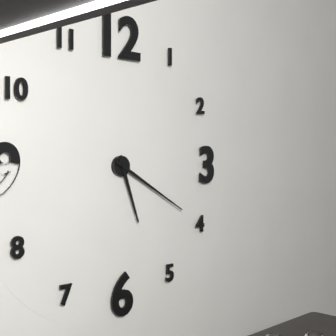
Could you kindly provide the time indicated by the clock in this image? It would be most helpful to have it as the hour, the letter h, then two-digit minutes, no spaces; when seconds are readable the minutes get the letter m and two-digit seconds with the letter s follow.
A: 5h20
